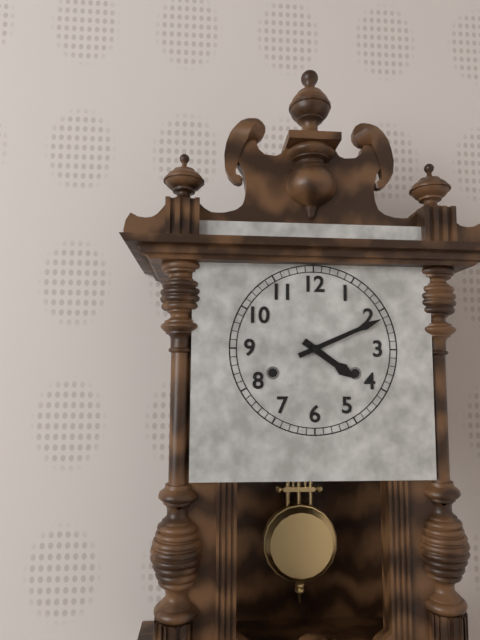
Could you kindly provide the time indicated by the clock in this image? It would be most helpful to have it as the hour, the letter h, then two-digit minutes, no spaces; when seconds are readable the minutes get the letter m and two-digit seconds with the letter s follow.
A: 4h11
